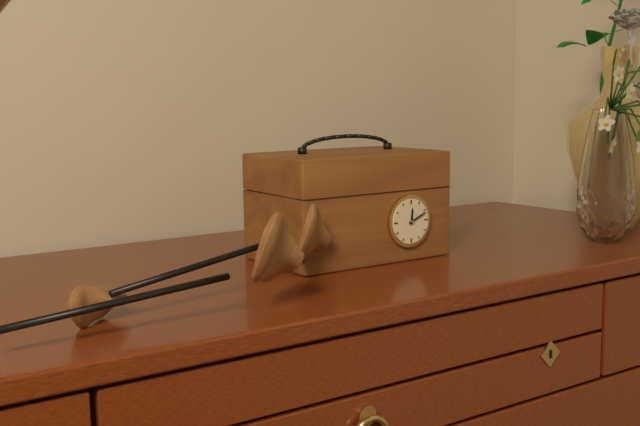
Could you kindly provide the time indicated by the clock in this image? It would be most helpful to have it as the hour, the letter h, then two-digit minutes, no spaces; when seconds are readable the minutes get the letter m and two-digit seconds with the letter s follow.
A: 12h11
